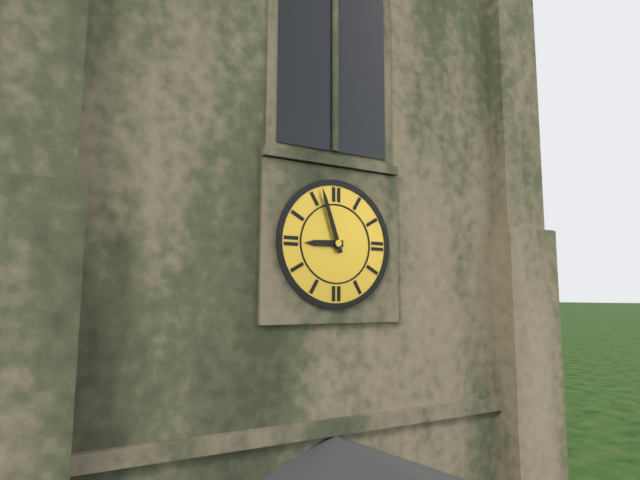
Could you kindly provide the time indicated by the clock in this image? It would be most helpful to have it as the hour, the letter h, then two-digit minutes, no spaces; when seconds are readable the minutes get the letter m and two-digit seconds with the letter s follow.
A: 8h57
